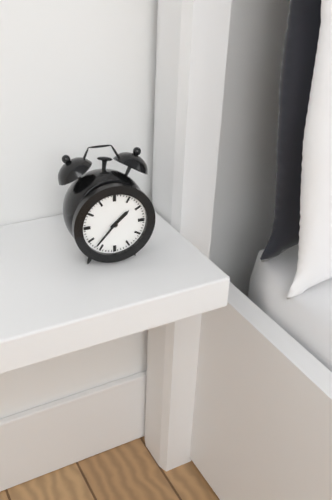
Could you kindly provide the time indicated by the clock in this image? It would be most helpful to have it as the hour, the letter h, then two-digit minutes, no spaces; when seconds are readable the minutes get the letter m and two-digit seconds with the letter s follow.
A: 1h37
